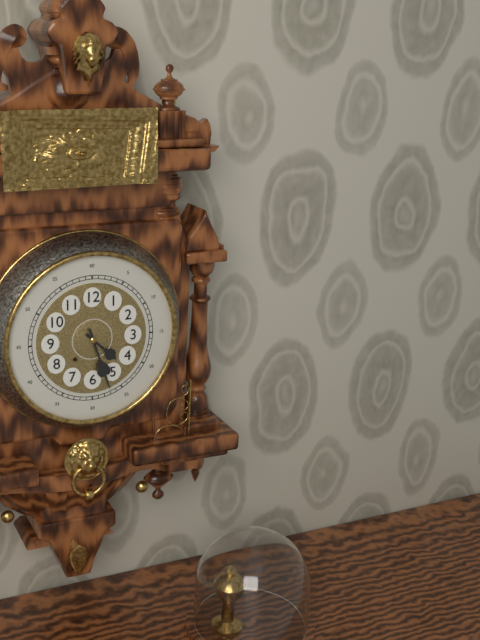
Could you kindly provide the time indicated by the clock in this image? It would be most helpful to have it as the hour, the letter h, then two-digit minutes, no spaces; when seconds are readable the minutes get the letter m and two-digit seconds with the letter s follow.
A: 4h27
